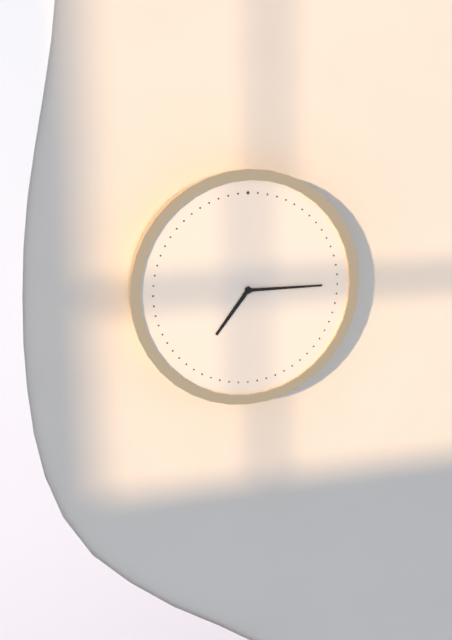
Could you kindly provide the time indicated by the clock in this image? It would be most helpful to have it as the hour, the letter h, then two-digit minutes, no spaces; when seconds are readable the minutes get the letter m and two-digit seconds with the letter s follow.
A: 7h15
